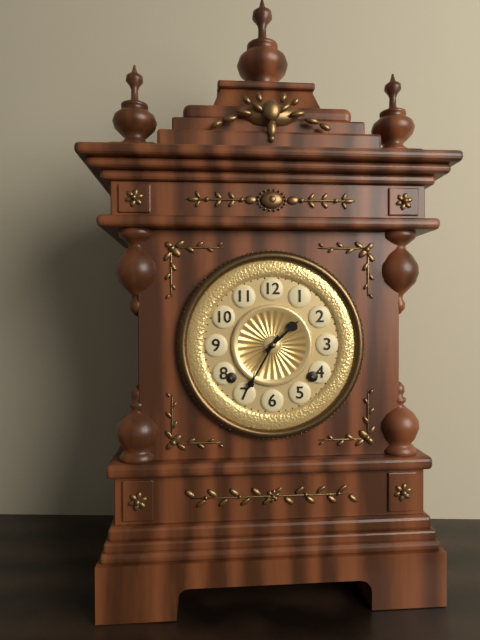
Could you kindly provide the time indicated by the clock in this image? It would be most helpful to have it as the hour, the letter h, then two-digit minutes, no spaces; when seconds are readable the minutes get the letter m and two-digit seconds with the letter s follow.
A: 1h35
